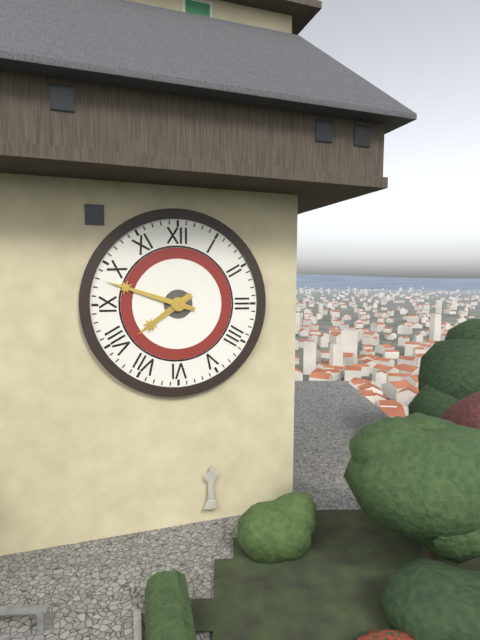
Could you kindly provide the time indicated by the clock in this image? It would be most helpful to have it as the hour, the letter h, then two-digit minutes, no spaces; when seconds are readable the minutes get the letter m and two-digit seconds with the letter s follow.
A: 7h48
